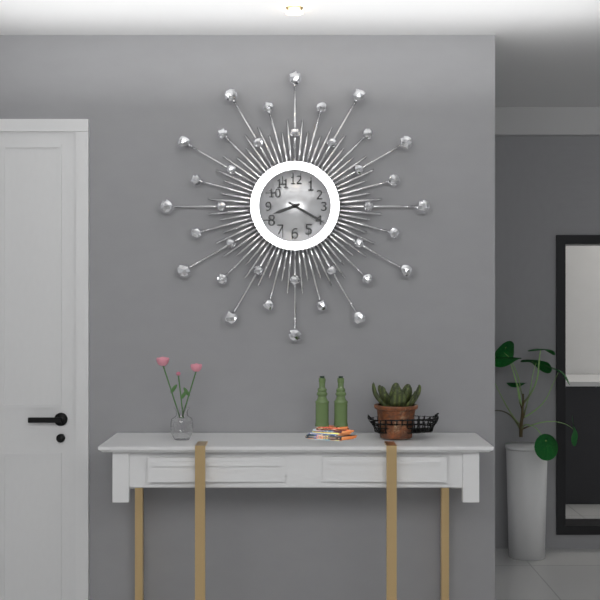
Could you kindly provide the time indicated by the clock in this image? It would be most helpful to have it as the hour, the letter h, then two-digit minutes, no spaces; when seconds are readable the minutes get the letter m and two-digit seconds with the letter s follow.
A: 8h20
